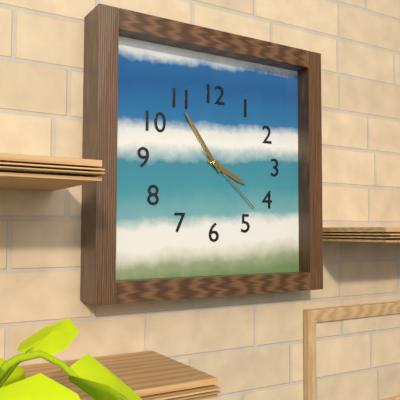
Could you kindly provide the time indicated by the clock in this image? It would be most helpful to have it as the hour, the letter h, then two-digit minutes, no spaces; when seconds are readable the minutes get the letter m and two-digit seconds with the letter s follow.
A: 3h54m22s
